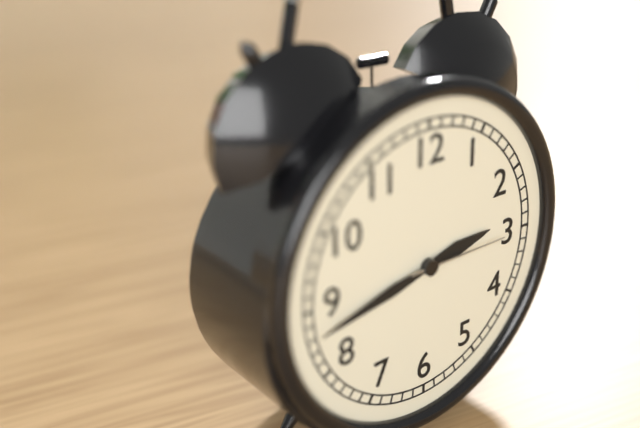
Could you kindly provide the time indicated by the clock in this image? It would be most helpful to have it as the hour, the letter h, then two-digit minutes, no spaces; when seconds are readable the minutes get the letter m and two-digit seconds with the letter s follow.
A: 2h43m15s
